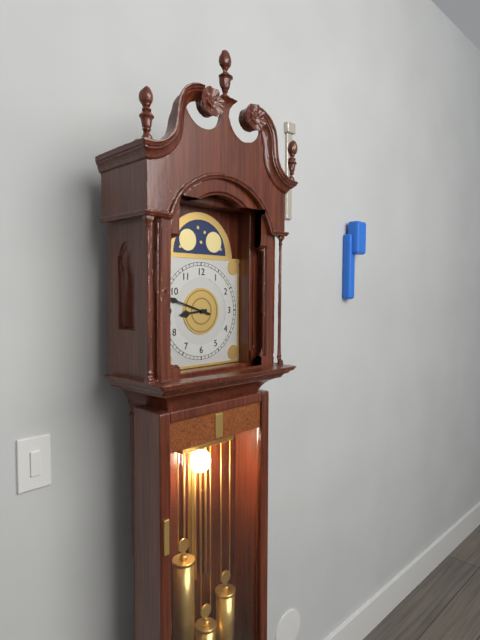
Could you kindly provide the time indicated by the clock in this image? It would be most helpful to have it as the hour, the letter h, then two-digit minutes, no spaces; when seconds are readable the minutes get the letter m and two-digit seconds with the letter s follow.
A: 8h48
